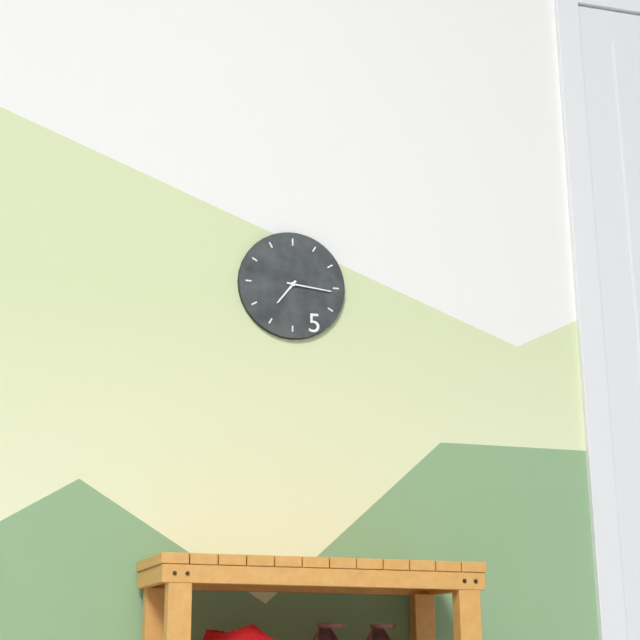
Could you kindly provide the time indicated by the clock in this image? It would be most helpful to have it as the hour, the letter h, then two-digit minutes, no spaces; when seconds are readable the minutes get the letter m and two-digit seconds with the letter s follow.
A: 7h16
